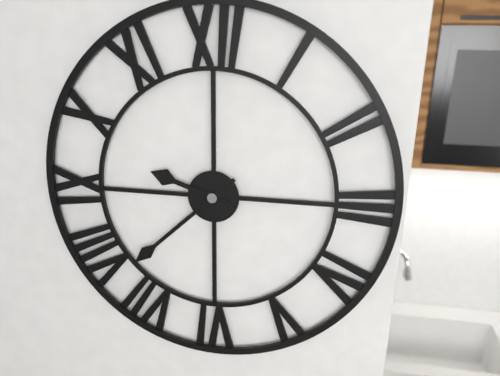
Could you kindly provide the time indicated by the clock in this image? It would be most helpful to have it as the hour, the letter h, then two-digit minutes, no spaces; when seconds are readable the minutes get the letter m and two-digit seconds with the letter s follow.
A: 9h38
